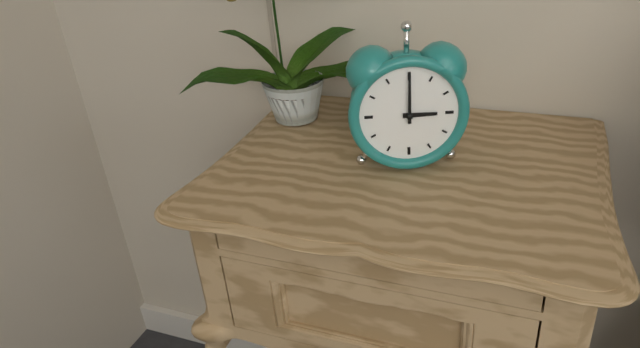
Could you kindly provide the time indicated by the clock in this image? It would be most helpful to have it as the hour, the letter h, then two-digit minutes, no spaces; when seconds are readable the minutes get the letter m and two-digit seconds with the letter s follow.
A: 3h00
